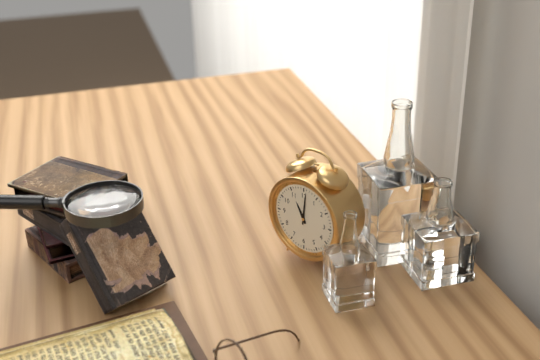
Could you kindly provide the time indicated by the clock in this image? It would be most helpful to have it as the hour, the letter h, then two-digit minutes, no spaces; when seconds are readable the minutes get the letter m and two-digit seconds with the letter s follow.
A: 11h01
